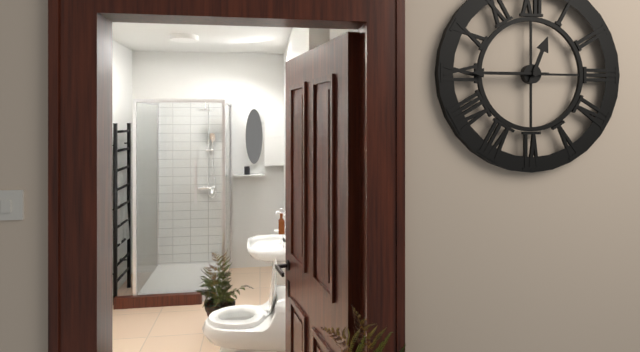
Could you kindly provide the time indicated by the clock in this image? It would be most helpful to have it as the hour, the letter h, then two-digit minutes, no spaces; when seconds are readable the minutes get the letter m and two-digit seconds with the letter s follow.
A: 12h45
